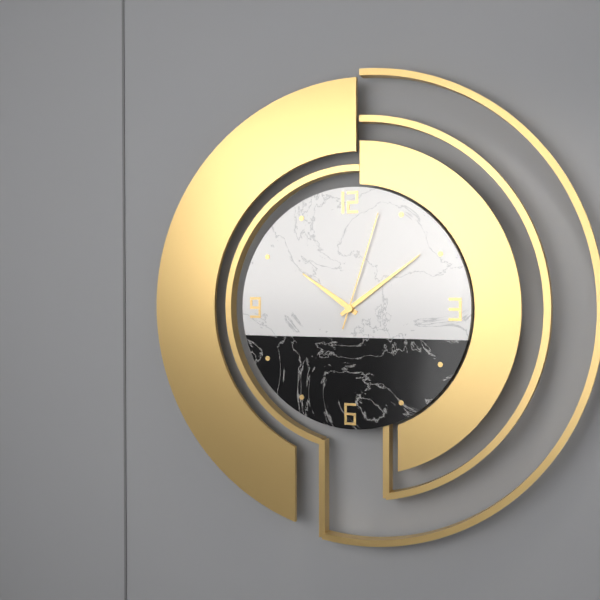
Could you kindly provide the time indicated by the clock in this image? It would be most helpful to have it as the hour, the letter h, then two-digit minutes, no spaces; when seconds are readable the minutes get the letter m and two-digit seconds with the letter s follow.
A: 10h09m03s
